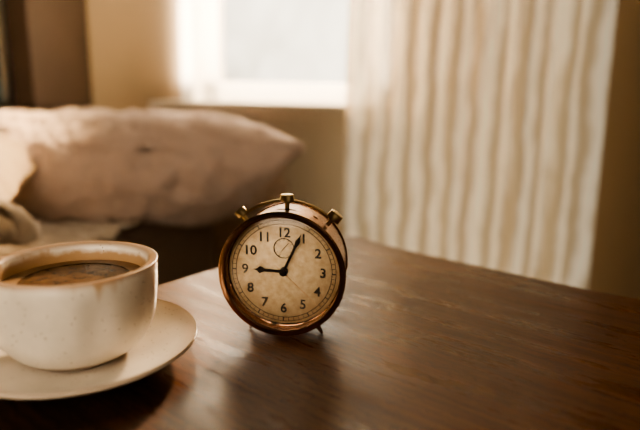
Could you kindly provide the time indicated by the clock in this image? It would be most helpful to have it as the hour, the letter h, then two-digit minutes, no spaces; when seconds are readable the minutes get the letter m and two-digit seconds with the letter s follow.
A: 9h04m22s
